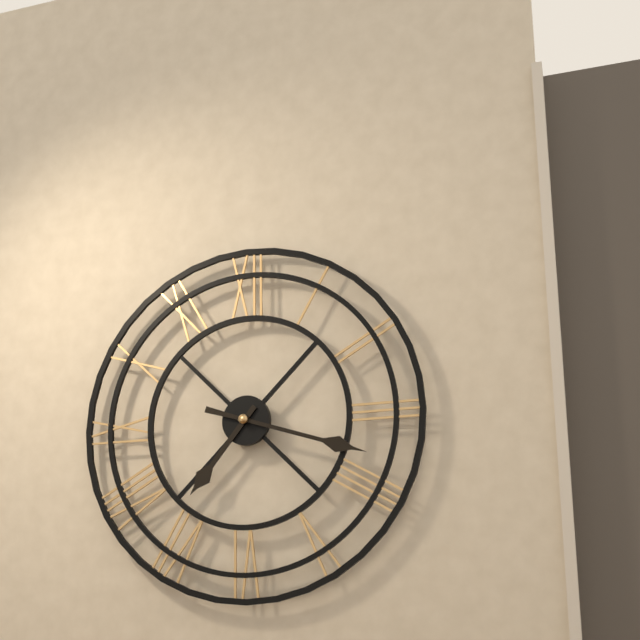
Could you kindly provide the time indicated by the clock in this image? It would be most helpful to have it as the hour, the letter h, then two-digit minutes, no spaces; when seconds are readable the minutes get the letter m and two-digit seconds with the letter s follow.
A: 7h18
